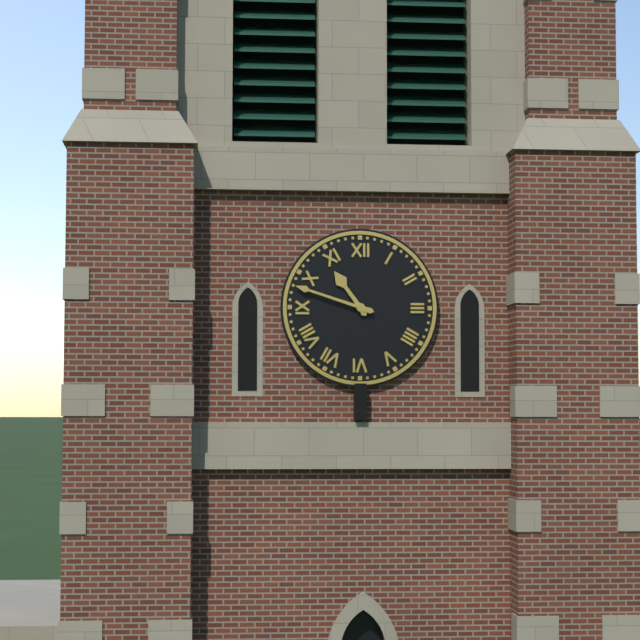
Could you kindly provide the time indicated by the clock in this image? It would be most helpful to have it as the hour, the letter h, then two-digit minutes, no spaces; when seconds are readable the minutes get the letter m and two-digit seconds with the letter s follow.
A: 10h48
